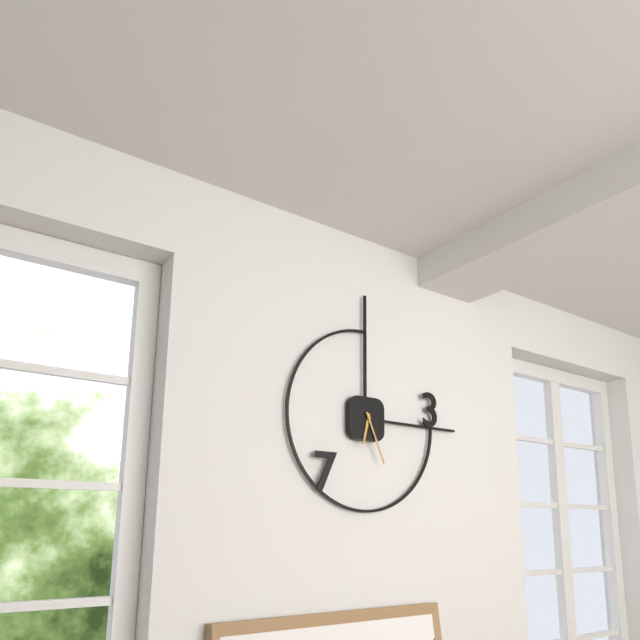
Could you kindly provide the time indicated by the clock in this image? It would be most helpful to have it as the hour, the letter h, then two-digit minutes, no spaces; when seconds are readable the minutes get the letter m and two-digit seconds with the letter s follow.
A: 6h26
